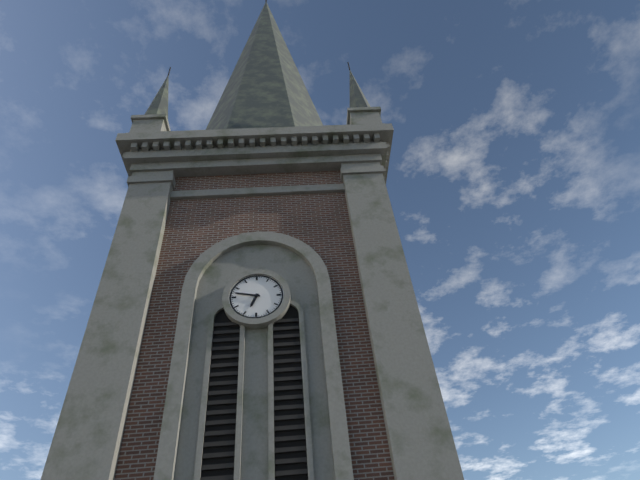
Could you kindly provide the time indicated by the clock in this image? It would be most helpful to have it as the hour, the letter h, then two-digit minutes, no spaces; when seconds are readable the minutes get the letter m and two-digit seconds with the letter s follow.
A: 6h47
